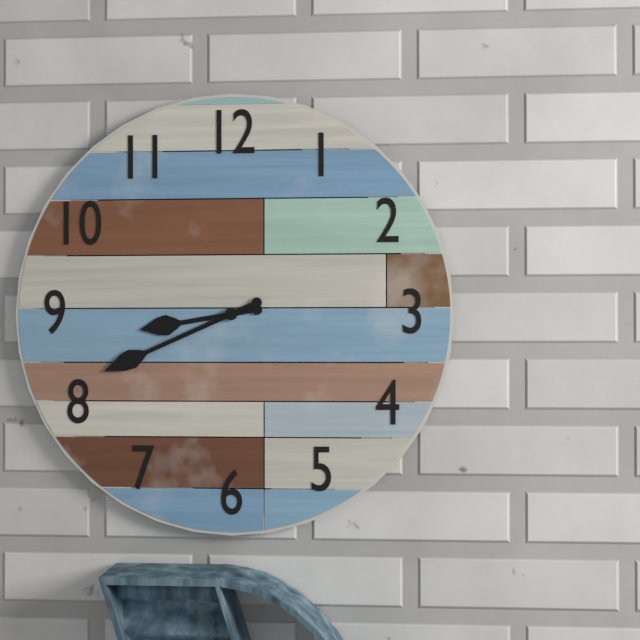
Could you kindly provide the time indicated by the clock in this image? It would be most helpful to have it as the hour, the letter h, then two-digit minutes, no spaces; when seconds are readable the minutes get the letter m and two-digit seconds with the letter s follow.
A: 8h41
